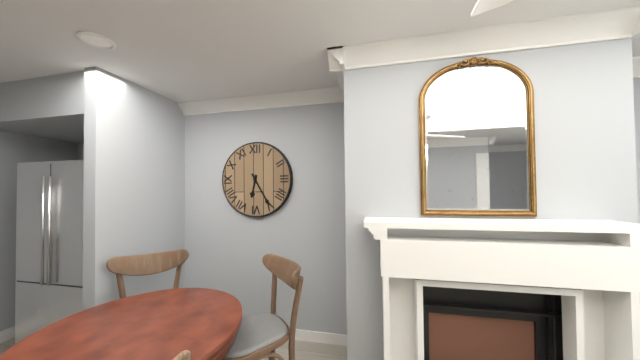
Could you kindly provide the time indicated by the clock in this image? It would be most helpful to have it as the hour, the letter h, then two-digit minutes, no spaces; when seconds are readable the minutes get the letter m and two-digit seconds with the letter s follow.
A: 6h25
